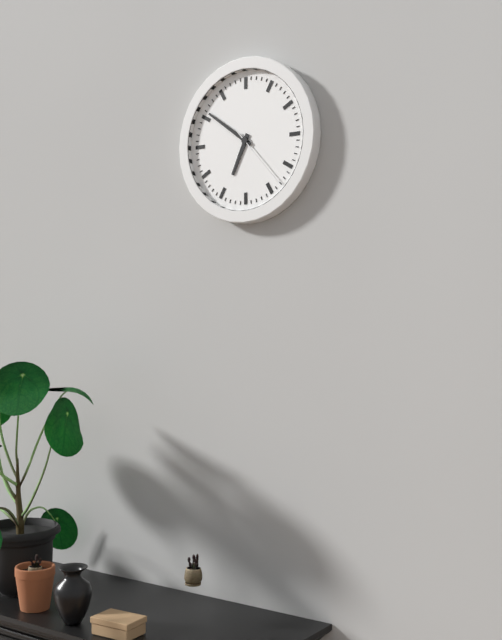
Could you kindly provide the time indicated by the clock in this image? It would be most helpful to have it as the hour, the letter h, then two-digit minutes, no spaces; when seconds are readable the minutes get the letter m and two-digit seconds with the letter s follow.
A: 6h51m23s
